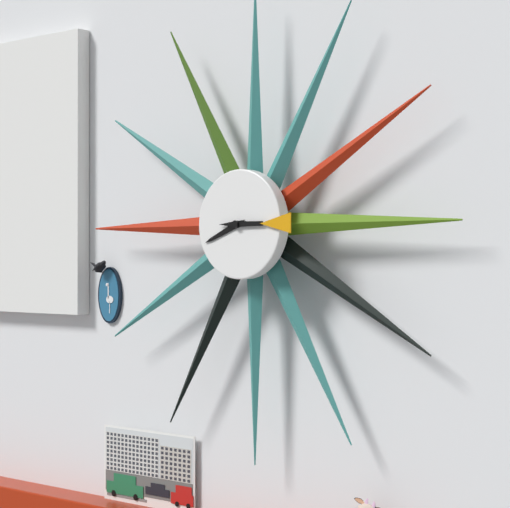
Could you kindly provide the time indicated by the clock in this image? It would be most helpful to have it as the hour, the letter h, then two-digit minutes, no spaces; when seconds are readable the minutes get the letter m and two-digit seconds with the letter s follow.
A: 8h15
